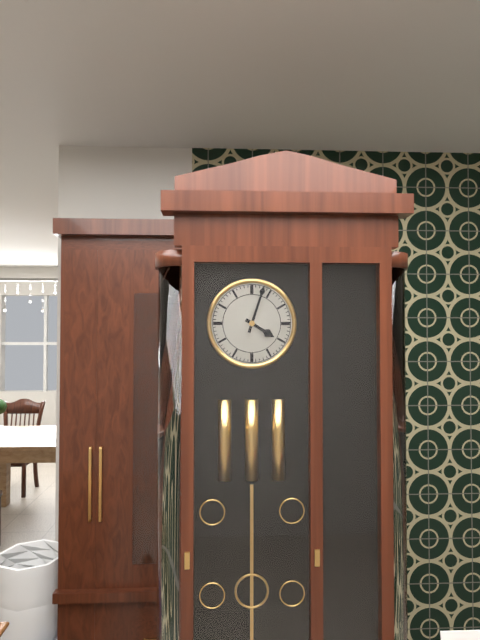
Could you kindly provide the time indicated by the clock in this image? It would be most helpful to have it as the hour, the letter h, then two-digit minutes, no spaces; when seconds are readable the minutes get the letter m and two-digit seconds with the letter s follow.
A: 4h03
